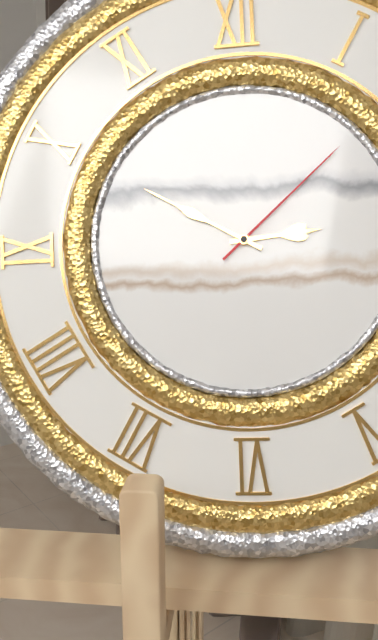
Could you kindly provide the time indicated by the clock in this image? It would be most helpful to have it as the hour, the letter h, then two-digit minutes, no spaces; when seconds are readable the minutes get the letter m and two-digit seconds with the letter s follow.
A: 2h50m08s
